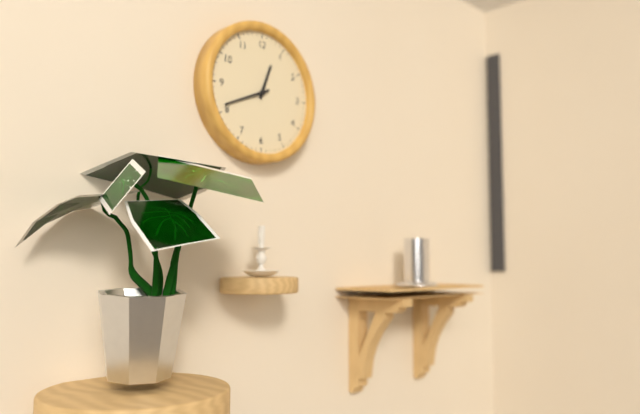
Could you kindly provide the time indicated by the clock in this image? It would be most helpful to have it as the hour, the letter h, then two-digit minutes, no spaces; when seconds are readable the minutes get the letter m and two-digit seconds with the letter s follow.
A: 12h41
